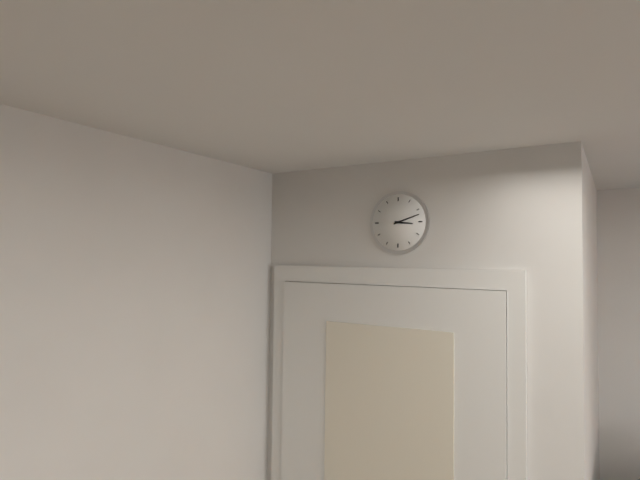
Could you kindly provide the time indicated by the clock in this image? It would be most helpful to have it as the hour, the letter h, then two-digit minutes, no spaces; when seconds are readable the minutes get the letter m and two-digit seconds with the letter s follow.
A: 3h12
